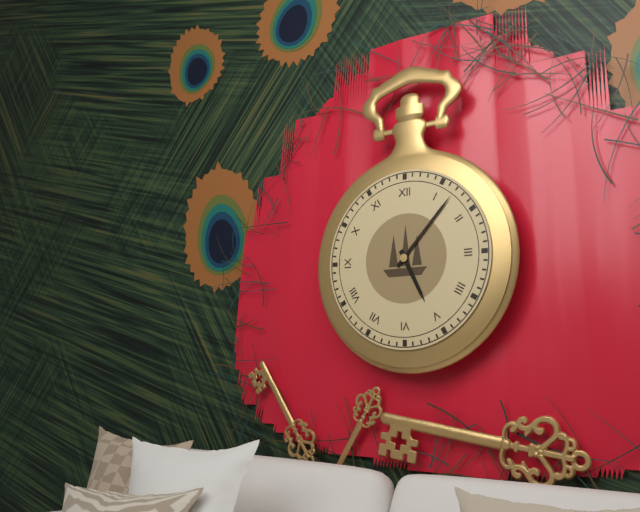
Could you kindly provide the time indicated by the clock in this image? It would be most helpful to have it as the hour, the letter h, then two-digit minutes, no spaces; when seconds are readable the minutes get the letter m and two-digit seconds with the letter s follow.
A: 5h07
